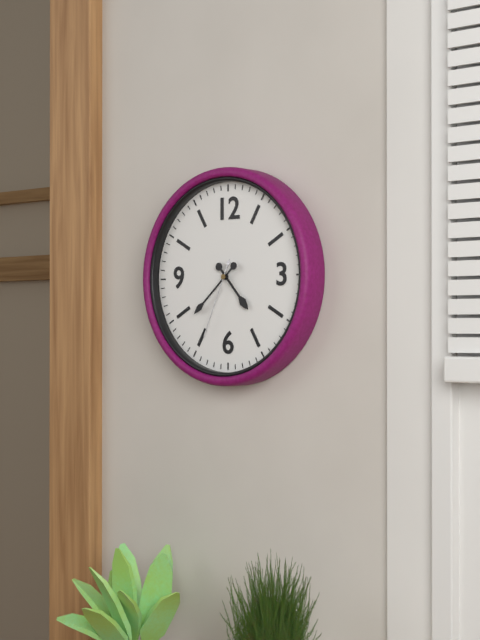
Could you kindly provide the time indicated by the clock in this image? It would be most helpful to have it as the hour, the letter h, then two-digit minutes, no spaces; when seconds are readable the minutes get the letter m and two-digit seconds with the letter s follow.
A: 4h38m34s
